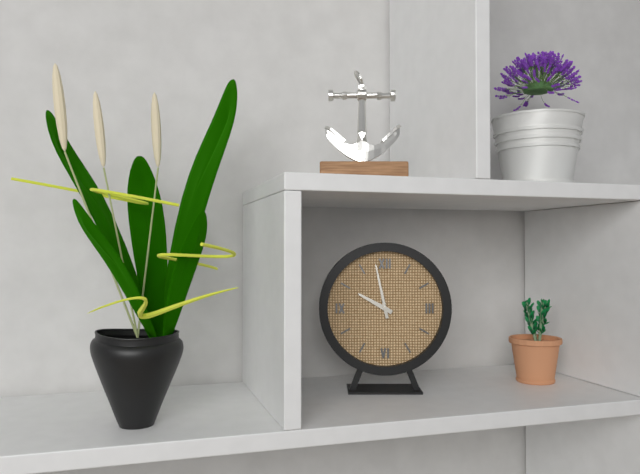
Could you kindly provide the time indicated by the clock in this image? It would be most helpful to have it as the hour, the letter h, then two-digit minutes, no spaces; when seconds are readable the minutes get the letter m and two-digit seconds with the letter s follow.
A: 9h58
